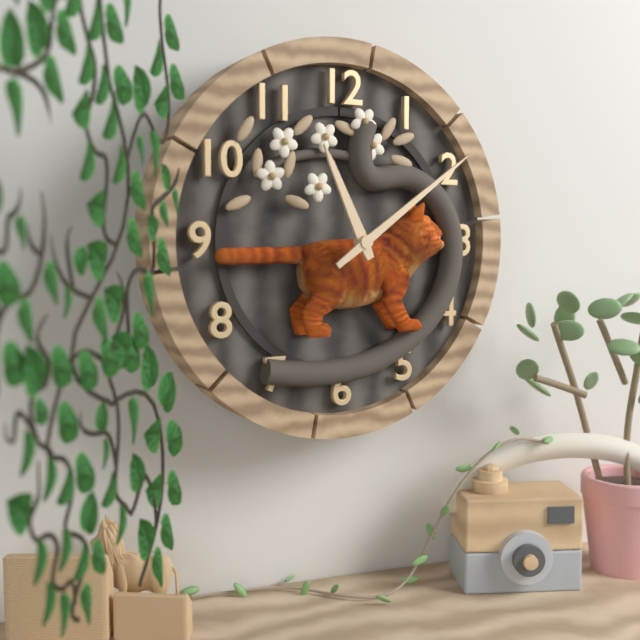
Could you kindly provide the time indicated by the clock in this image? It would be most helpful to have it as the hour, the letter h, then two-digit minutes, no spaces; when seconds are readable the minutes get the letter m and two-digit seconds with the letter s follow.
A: 11h09
